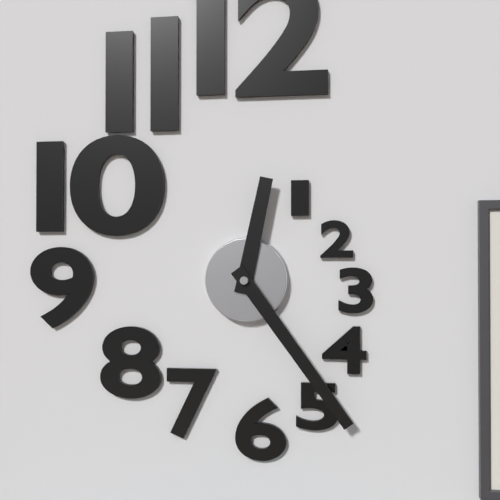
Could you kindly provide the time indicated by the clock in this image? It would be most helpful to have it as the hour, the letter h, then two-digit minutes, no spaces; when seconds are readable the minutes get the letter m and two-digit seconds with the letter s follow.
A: 12h24
